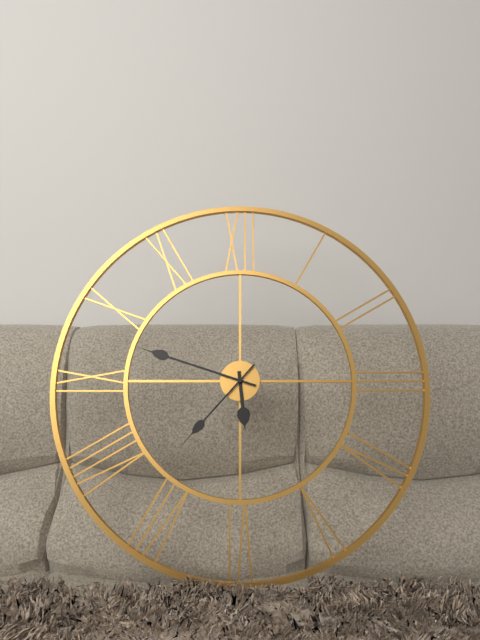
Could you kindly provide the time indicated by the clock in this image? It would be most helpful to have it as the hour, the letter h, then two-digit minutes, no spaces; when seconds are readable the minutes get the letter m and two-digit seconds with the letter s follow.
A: 5h48m37s
